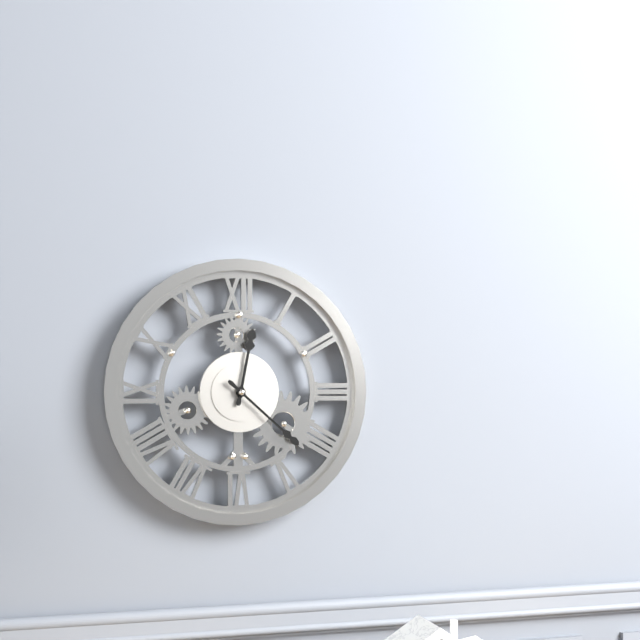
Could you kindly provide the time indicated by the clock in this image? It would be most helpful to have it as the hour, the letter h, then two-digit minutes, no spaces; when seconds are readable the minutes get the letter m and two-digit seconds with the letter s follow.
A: 12h22
